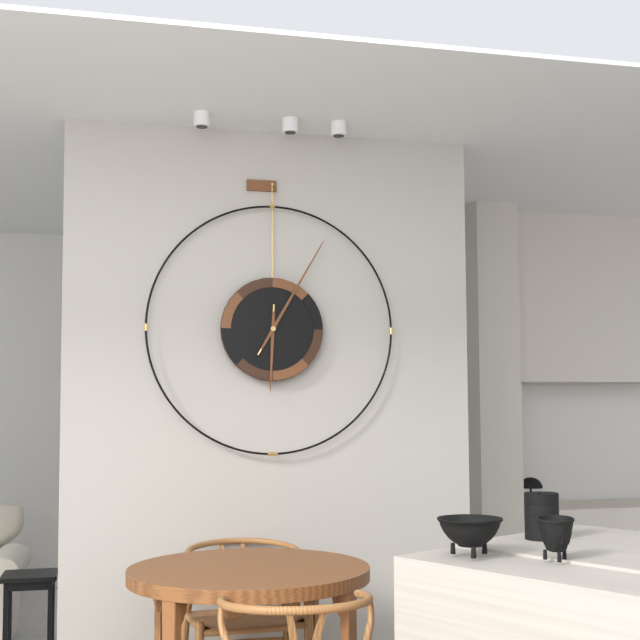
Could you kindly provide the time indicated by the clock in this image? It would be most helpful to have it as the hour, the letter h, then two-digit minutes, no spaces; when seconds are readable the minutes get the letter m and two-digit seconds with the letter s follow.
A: 6h05
